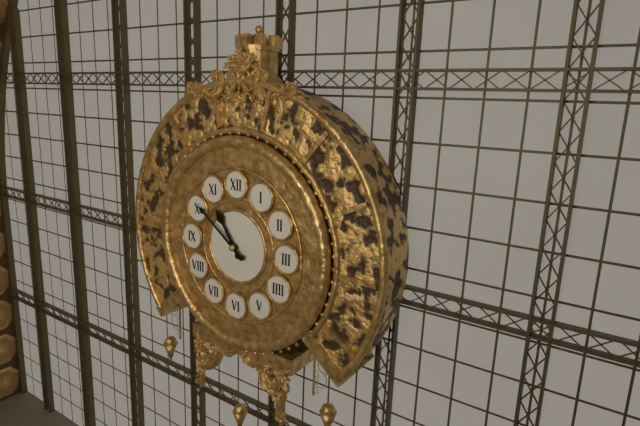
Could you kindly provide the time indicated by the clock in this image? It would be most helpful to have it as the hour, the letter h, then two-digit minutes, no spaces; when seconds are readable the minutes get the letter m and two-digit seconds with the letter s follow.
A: 10h51
